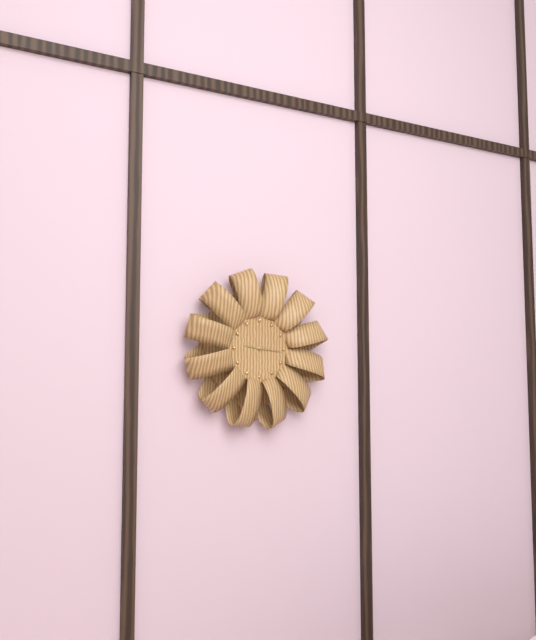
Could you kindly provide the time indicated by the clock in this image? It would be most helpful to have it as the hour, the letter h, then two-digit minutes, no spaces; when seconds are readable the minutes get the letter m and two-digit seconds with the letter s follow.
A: 9h16
